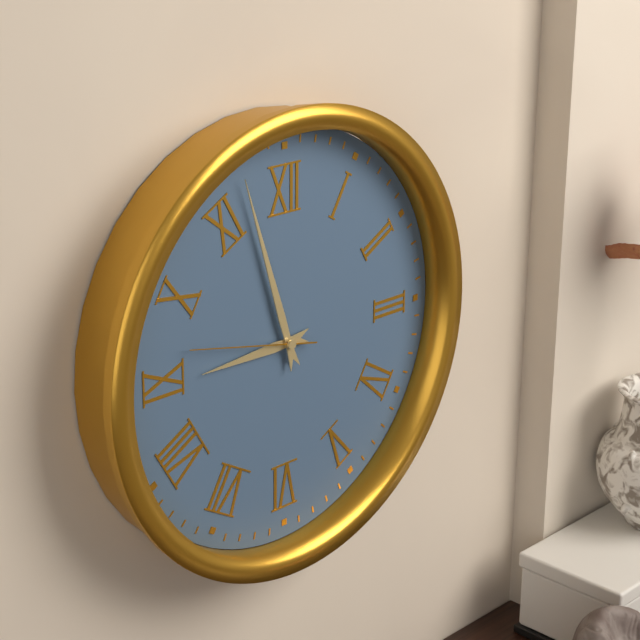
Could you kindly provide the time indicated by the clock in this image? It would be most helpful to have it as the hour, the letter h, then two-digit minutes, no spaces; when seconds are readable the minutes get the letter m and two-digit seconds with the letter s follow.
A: 8h57m47s
